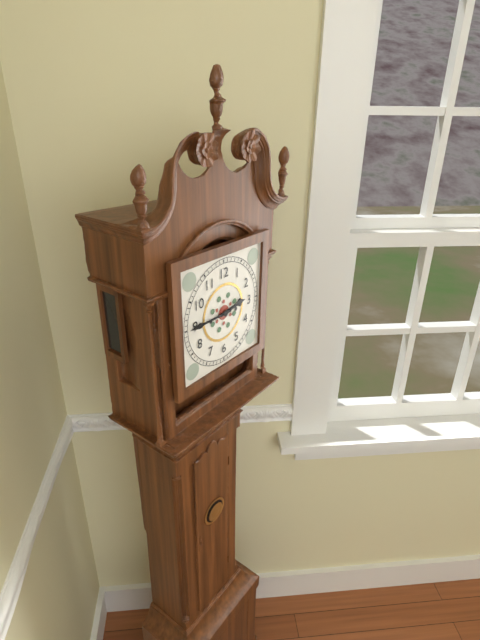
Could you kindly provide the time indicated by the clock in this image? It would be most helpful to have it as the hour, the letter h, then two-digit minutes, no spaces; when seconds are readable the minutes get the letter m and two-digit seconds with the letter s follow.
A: 2h45
